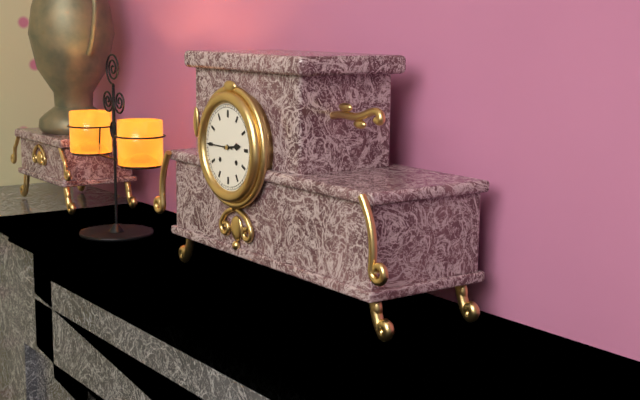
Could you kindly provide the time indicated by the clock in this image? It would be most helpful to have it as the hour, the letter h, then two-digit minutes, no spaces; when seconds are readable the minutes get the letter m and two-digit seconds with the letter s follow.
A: 2h45
